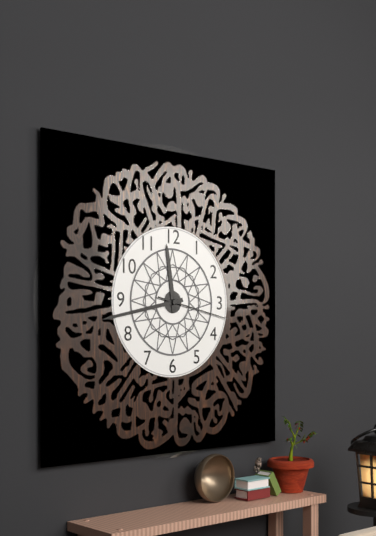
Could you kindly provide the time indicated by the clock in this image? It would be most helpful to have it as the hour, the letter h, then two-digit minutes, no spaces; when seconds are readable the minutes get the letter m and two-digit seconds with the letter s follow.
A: 11h43m17s
